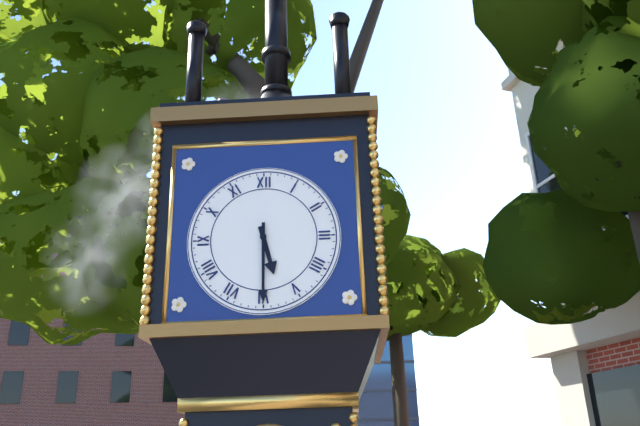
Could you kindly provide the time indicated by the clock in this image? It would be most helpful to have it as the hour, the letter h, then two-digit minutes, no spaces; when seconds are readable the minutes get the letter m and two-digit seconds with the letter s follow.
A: 5h30
